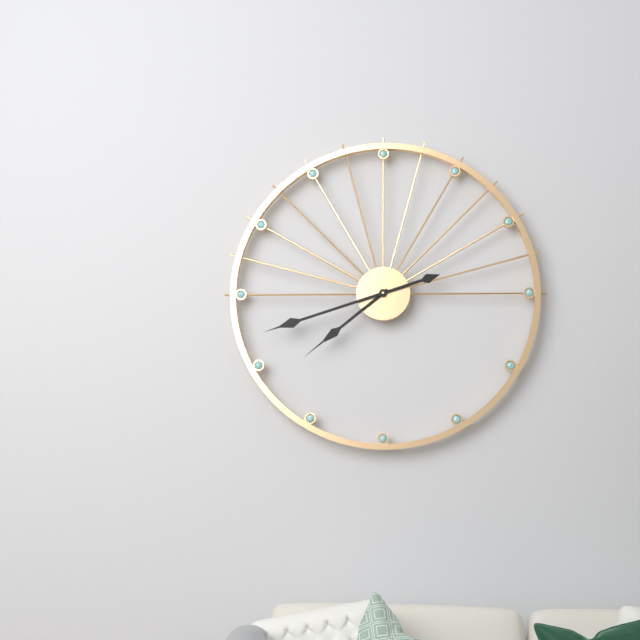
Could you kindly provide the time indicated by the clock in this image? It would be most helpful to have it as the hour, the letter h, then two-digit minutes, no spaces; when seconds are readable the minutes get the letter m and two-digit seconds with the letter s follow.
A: 7h42
